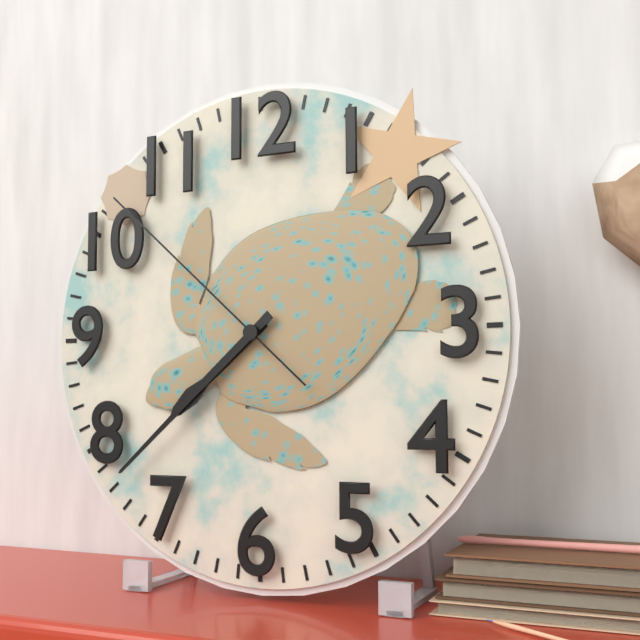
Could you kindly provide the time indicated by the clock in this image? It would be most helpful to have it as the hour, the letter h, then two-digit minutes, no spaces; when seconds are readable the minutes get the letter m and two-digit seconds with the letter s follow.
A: 7h38m52s
